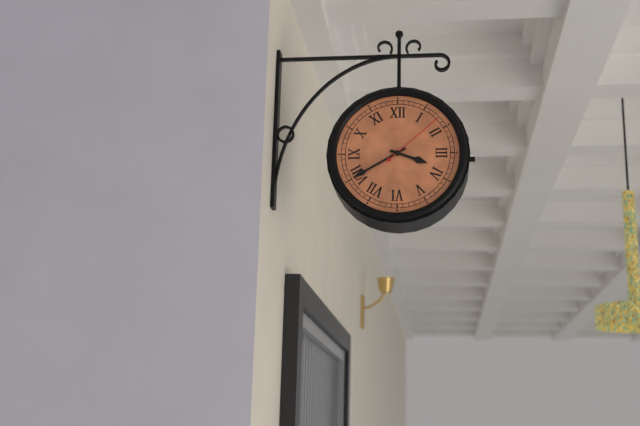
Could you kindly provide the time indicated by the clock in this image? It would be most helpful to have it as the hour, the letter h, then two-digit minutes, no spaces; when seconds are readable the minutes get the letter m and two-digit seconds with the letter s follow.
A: 3h40m08s
